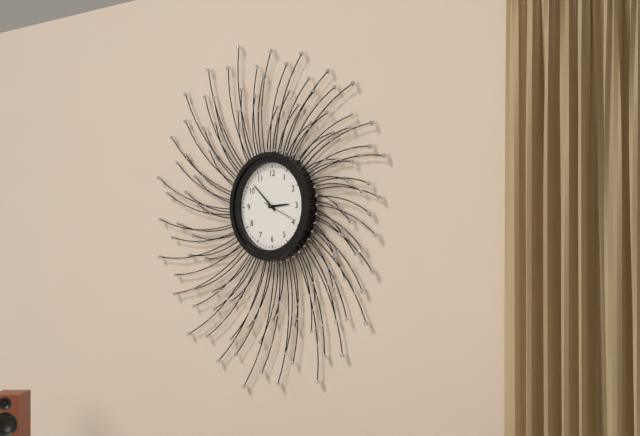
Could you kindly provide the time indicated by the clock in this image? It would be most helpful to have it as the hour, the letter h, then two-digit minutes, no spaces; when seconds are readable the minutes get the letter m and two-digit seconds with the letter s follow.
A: 2h52
